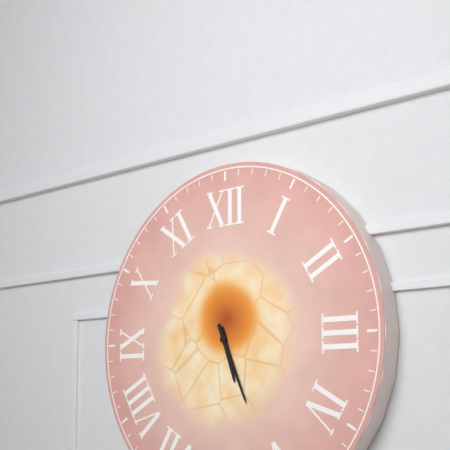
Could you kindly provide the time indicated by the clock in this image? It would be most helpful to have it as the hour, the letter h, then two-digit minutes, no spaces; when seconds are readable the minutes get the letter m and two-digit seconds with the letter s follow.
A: 5h26
